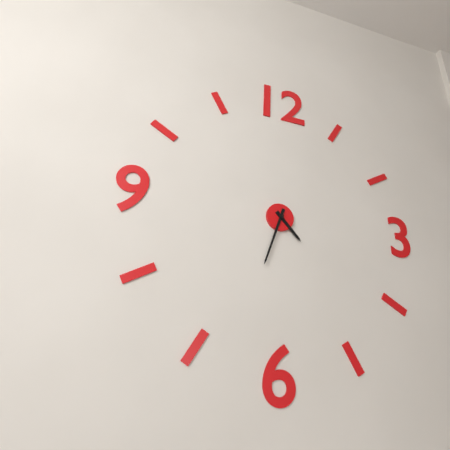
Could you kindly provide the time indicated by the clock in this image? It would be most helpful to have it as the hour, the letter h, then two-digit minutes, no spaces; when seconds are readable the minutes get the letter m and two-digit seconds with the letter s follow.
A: 4h33
